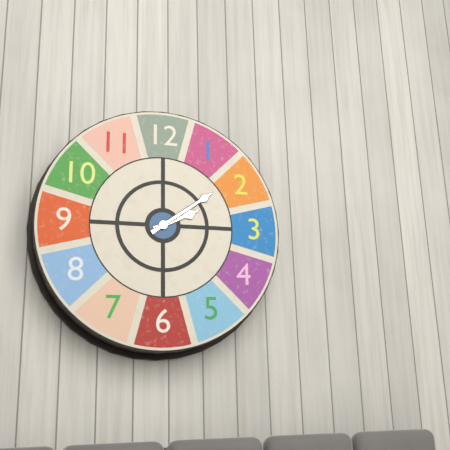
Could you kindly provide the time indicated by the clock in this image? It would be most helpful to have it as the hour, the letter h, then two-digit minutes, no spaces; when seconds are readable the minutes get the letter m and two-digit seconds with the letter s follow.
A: 2h09
